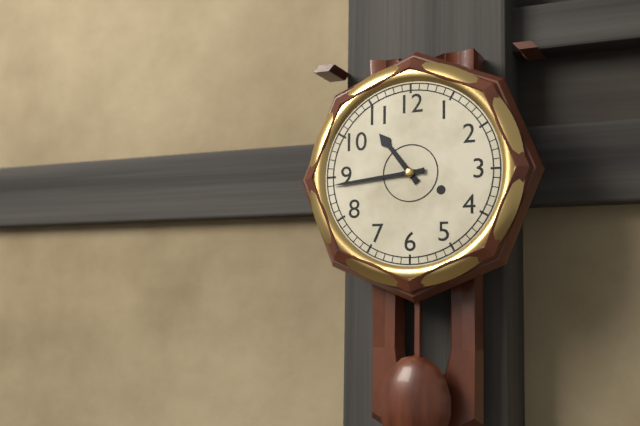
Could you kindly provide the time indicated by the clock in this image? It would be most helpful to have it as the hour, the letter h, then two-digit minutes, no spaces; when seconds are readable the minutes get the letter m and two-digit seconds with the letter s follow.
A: 10h44
